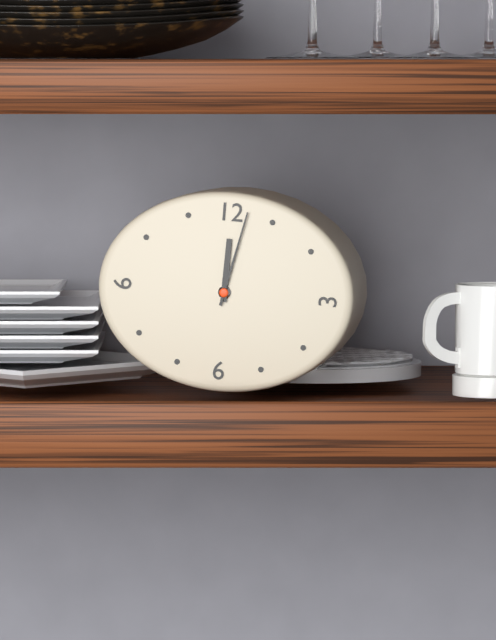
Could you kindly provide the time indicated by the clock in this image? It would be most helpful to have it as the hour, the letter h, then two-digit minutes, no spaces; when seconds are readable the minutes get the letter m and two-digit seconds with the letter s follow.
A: 12h02
